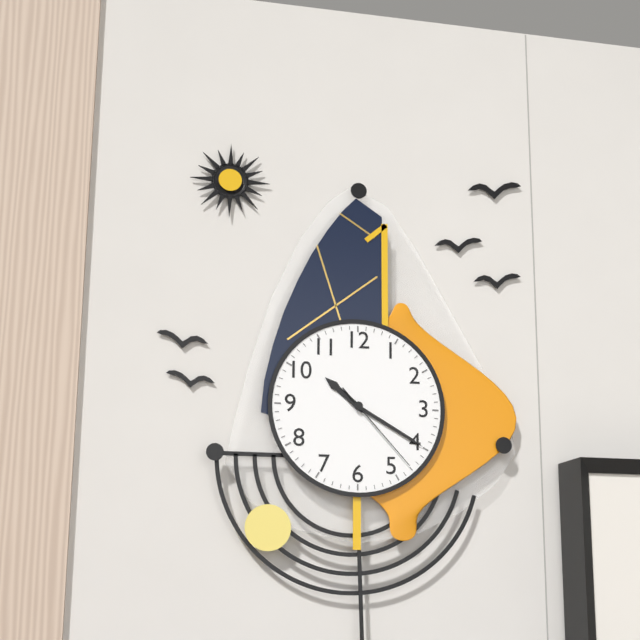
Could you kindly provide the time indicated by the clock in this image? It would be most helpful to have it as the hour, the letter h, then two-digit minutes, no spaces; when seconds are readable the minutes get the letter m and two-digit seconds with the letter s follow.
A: 10h20m23s
